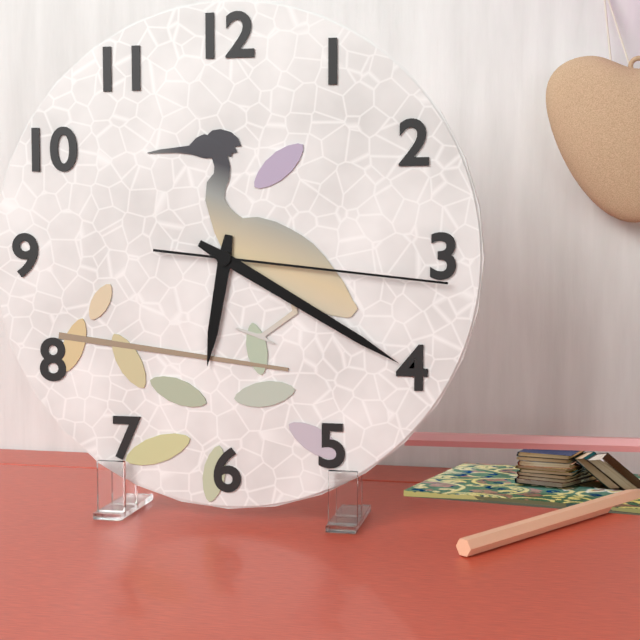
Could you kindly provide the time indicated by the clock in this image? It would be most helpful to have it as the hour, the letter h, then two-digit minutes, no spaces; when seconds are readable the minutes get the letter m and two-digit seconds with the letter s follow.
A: 6h20m16s
